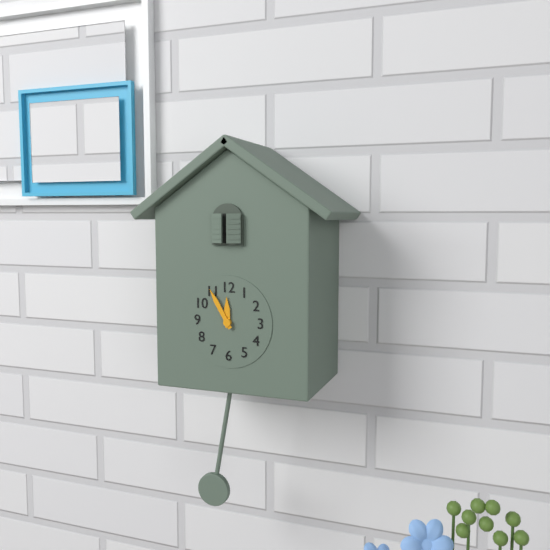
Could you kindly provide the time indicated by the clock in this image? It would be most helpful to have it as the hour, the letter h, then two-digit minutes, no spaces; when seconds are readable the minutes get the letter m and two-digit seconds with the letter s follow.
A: 11h55
